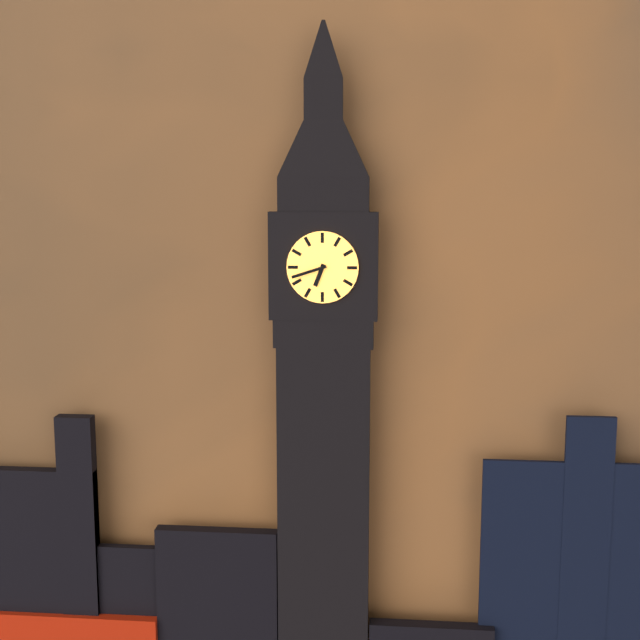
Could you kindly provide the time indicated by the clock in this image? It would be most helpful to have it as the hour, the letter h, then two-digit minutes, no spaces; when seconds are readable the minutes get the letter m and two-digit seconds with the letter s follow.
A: 6h42
